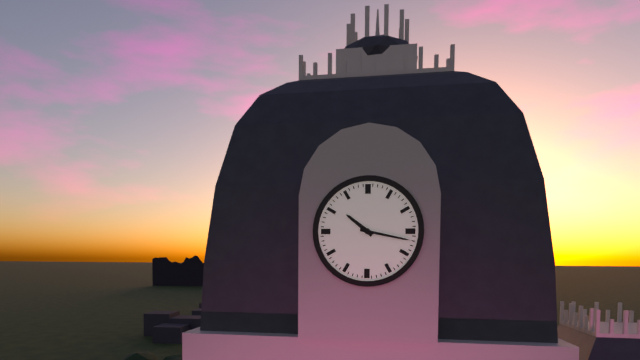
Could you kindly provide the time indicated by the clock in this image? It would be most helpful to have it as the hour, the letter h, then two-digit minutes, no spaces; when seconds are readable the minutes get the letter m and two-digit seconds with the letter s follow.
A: 10h17
